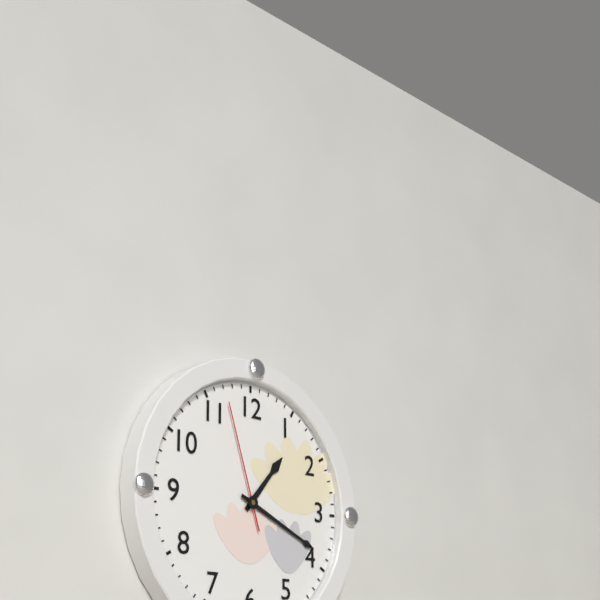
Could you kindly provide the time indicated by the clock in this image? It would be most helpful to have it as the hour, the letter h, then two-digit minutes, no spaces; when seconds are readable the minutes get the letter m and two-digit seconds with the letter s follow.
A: 1h19m57s
